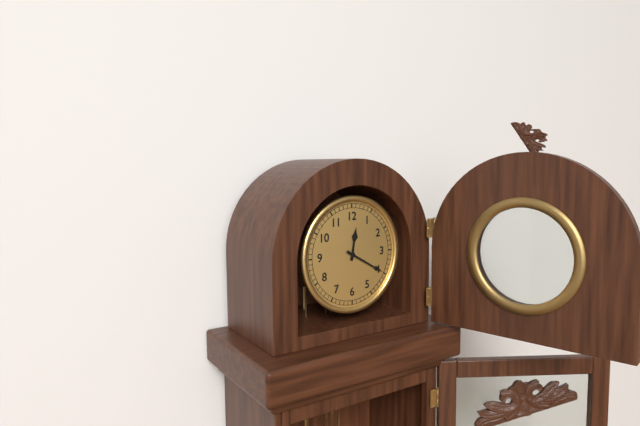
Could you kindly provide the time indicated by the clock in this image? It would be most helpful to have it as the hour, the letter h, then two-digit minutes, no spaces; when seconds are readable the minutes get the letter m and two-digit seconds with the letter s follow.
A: 12h20
